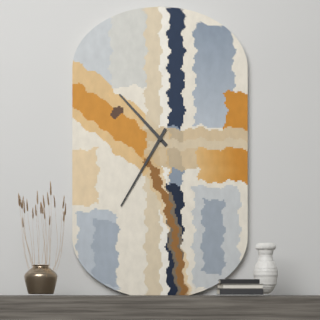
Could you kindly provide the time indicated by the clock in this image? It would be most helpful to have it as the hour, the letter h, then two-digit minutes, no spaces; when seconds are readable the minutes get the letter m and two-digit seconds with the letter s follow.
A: 10h35
